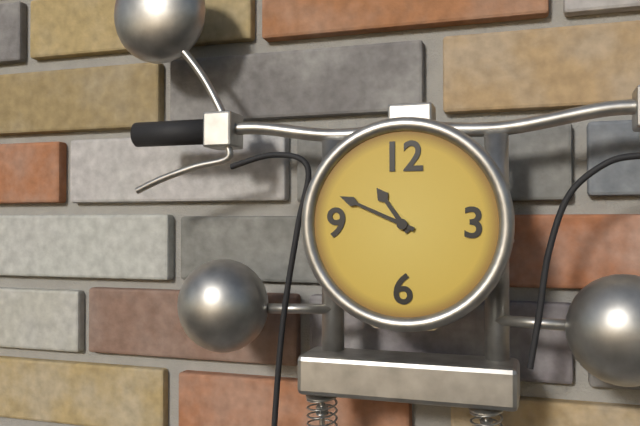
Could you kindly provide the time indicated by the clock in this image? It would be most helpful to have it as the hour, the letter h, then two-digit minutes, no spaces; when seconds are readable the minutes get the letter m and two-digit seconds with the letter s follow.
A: 10h49
